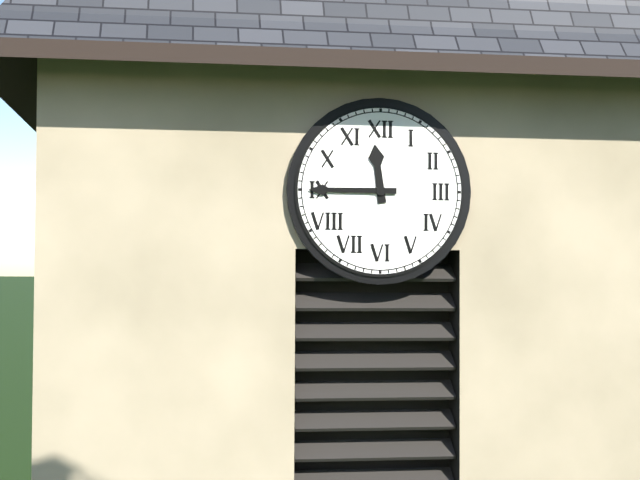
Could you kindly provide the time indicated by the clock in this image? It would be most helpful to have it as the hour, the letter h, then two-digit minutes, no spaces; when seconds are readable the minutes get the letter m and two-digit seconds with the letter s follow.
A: 11h45
